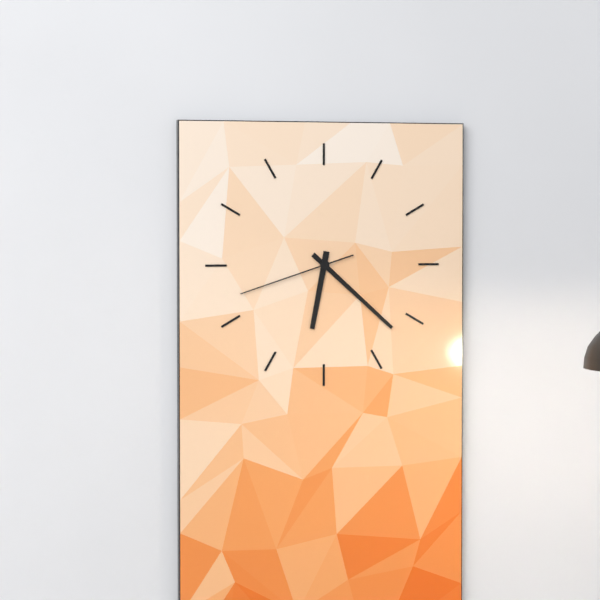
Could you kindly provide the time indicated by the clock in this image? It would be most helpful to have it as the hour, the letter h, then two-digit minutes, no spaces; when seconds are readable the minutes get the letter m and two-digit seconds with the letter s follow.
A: 6h22m42s
